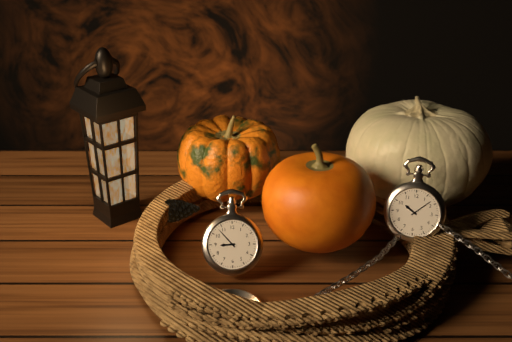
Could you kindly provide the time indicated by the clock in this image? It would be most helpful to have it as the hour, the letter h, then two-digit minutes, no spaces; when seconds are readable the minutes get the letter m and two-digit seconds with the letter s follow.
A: 8h53
